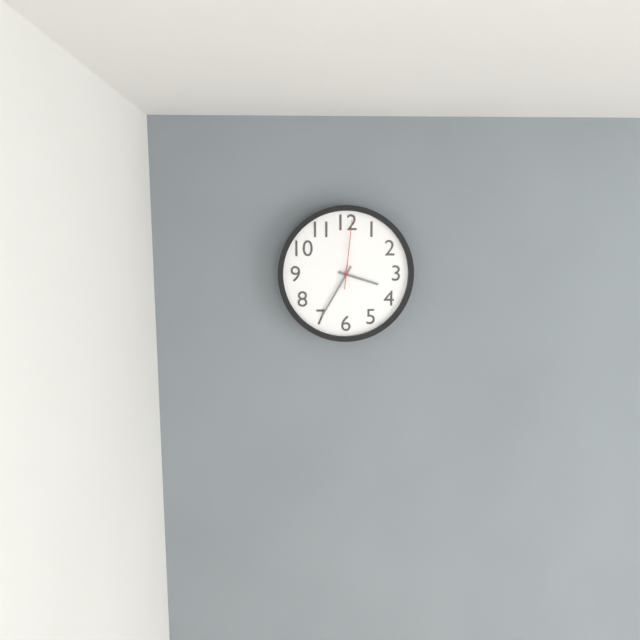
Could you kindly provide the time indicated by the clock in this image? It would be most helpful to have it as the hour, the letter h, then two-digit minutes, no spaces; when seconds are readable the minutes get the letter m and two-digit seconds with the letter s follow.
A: 3h35m01s
